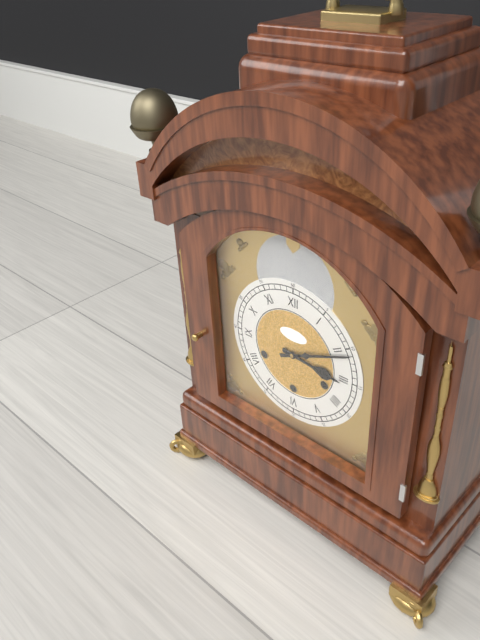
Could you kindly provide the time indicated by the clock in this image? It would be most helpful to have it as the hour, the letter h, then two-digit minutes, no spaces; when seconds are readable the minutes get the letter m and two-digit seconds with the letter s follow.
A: 3h11
